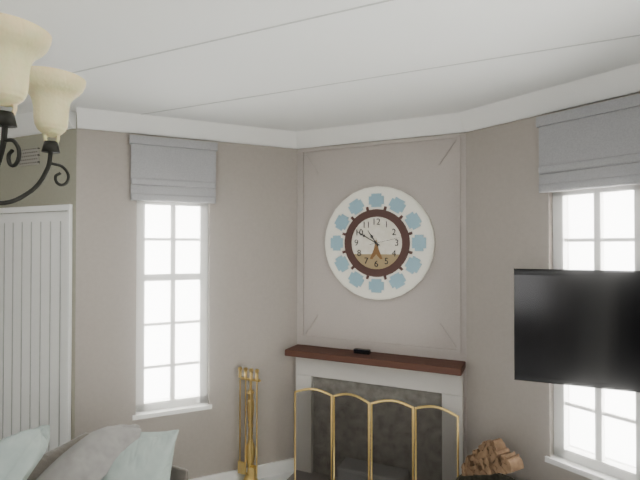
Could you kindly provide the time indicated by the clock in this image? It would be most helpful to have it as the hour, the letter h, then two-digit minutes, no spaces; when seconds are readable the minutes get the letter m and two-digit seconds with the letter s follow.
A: 10h50
